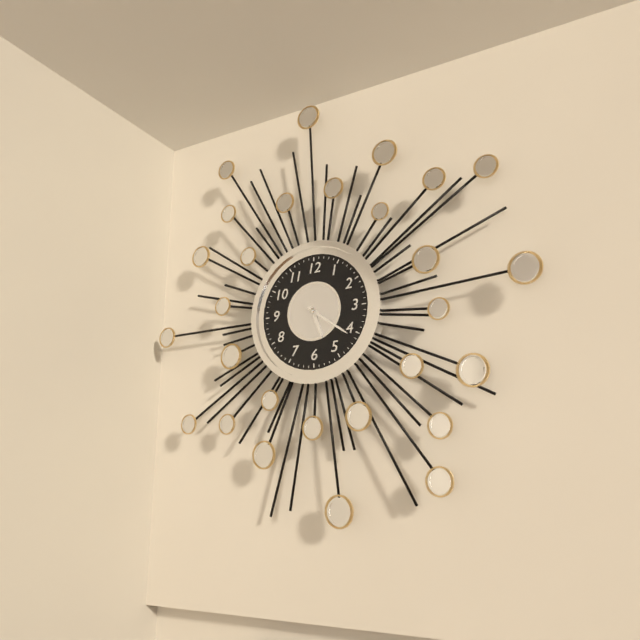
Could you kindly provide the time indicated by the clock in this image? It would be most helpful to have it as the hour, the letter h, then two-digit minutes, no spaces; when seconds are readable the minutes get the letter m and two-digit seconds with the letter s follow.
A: 5h21
